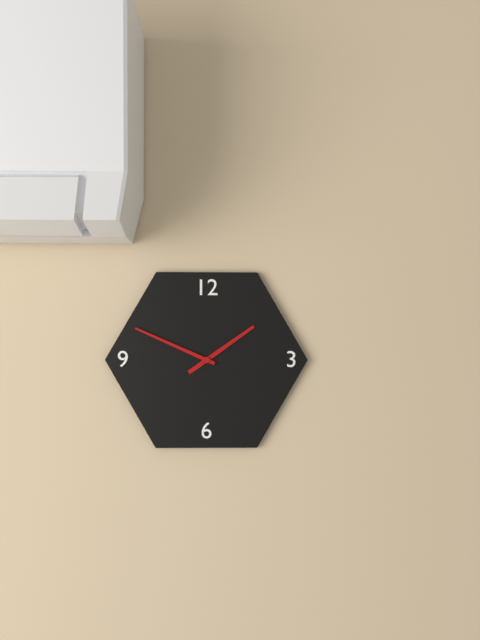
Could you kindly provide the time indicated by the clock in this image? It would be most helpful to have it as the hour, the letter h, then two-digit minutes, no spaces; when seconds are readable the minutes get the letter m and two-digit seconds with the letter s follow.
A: 1h49
